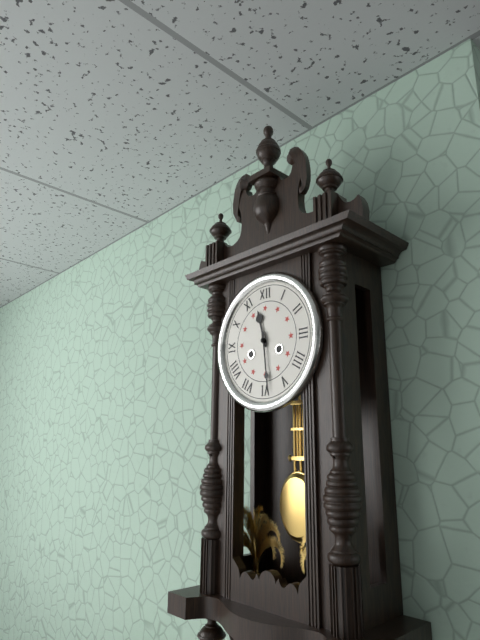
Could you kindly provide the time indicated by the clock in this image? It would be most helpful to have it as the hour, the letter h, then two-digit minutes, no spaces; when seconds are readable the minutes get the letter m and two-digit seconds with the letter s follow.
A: 11h29
